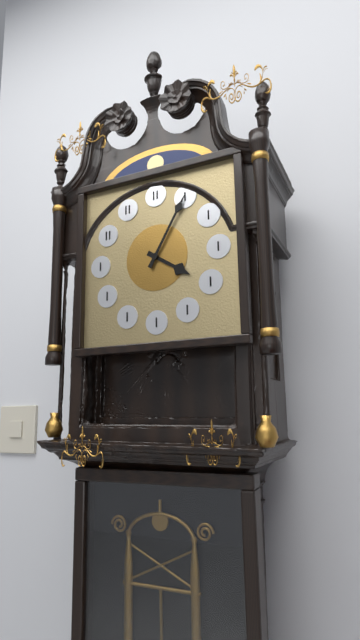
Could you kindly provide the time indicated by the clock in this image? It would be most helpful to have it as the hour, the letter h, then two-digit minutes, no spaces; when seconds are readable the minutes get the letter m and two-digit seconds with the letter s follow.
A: 4h05
